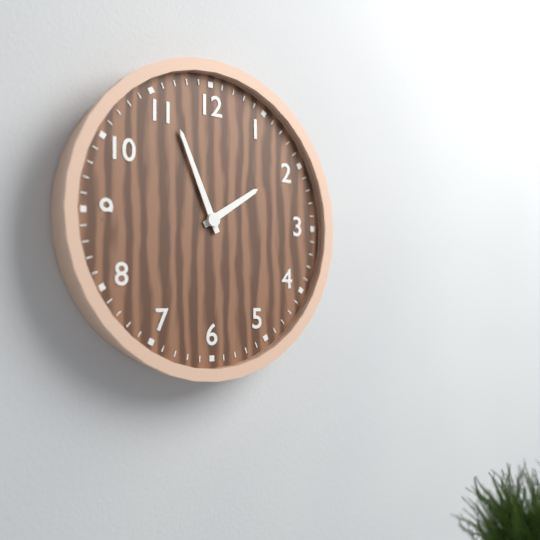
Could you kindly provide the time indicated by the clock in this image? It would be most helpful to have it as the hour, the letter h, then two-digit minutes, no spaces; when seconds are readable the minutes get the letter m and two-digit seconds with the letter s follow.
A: 1h56
